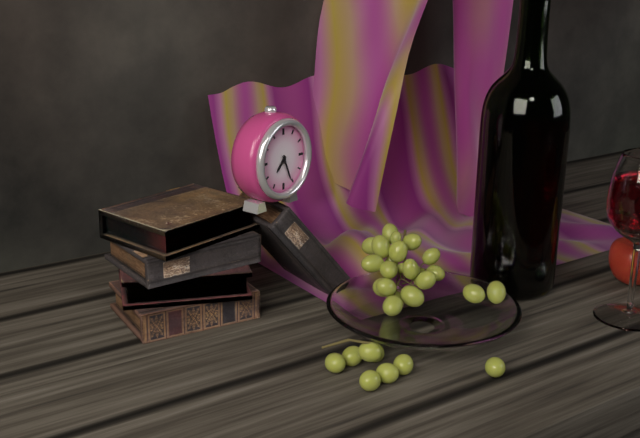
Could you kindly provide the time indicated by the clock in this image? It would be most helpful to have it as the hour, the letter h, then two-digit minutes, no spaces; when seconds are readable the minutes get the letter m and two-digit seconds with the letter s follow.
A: 7h26
